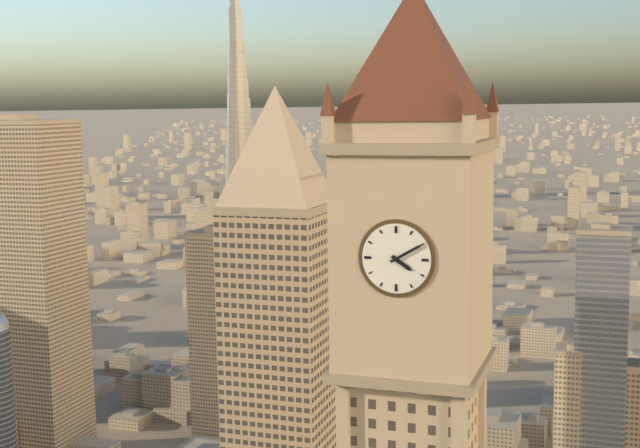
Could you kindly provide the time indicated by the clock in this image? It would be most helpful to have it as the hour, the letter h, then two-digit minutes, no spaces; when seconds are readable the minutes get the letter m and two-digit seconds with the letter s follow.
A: 4h10
